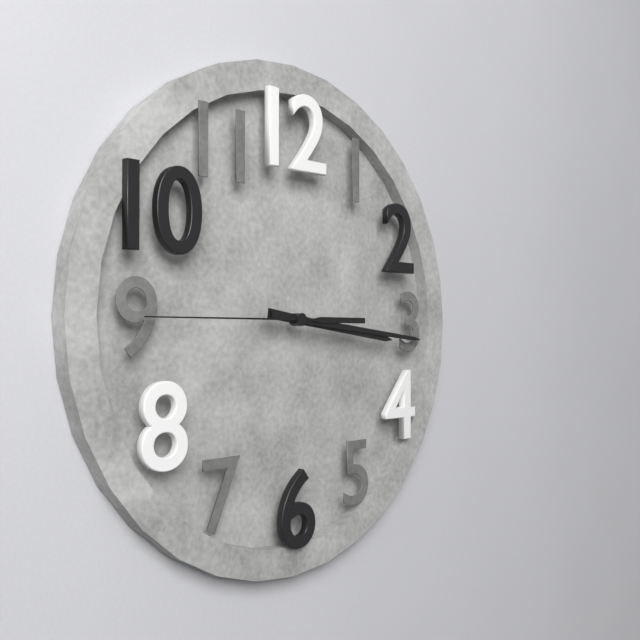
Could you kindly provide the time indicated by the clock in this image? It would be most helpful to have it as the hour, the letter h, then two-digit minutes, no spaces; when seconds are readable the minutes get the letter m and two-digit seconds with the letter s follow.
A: 3h16m45s
